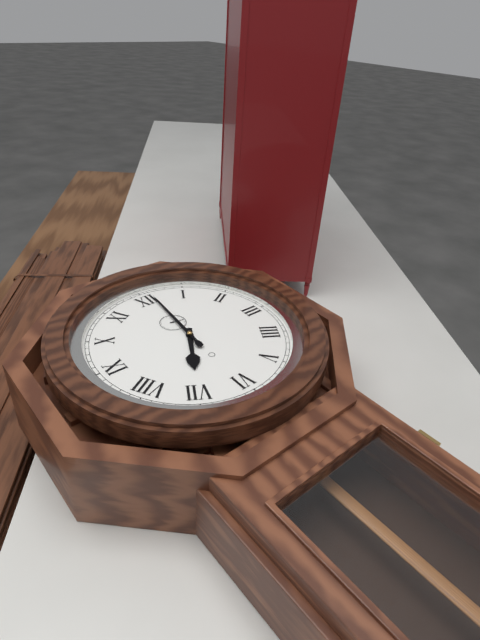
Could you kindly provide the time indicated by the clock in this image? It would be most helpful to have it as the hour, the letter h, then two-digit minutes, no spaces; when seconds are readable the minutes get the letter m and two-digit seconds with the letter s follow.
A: 7h01
